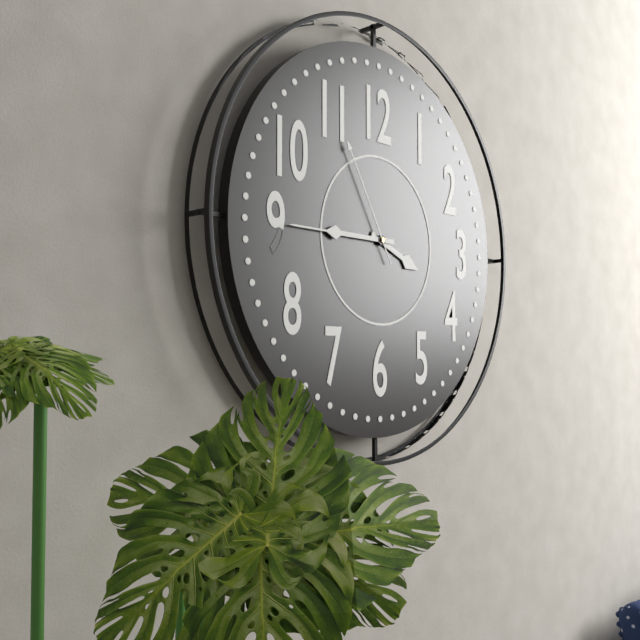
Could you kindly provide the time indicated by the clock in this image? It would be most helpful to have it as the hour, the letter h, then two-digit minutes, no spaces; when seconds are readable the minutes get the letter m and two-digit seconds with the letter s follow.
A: 3h45m55s
